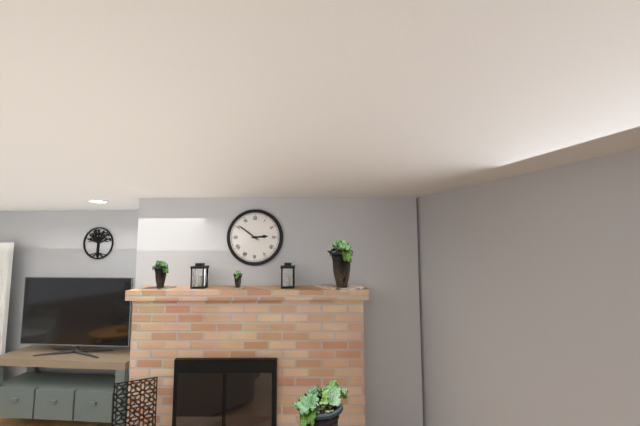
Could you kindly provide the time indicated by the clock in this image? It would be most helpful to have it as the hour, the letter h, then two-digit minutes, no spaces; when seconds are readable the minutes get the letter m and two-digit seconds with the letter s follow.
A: 2h51
